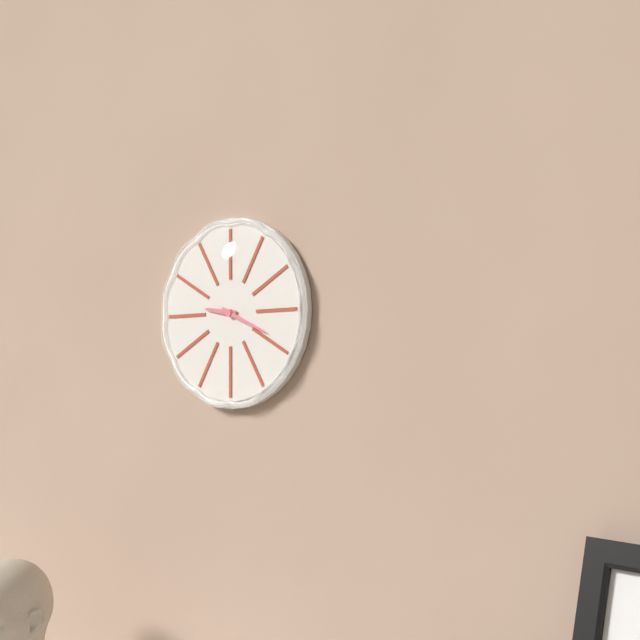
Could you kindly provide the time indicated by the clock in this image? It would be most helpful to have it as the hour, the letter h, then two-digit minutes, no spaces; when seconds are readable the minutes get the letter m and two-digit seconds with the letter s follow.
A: 9h19
